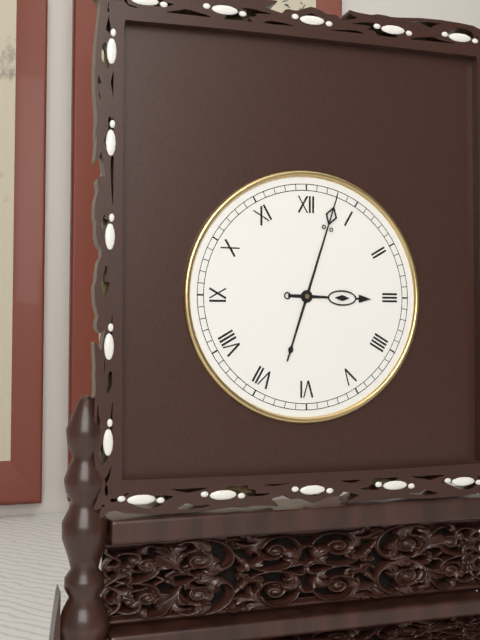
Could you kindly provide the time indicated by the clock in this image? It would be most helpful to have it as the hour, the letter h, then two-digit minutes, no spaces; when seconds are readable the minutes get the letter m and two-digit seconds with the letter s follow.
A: 3h03
